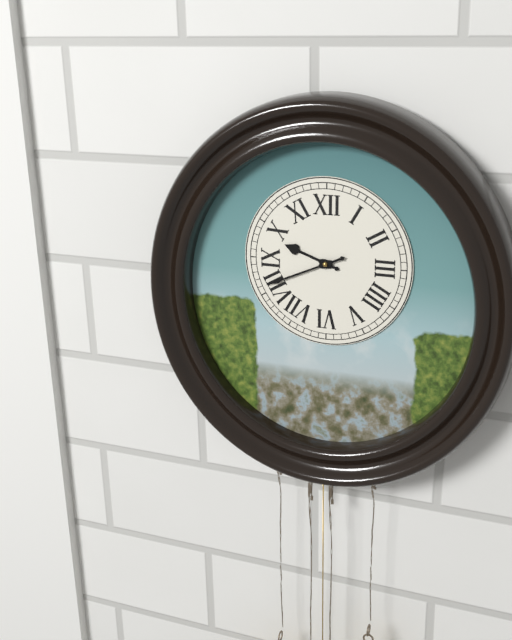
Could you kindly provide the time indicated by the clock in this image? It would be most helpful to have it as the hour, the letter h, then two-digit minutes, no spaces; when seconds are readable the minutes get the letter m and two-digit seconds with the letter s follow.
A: 9h41
